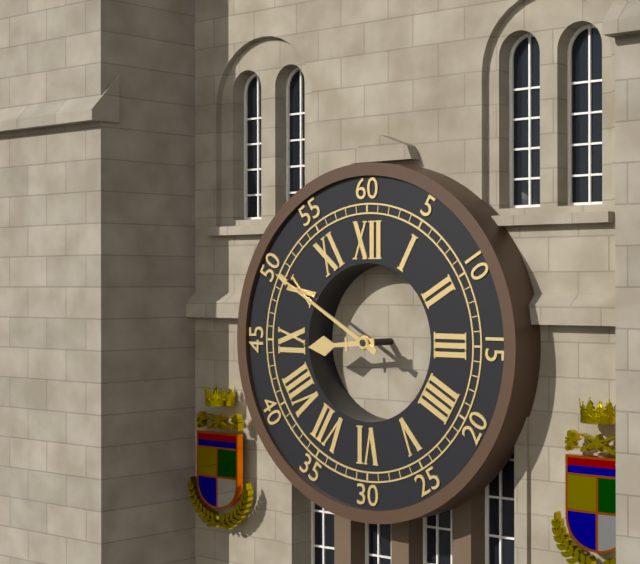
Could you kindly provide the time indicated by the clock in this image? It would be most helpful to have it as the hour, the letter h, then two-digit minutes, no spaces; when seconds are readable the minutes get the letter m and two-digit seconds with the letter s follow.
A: 8h50
